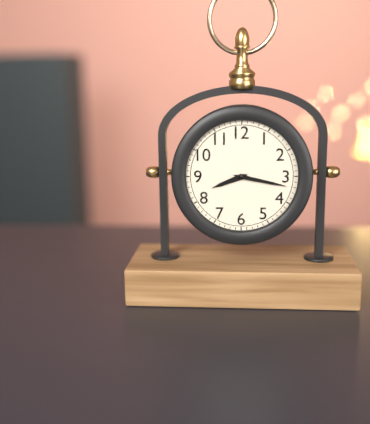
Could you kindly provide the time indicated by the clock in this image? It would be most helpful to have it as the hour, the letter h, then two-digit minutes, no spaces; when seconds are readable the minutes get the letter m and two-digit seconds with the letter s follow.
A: 8h17
